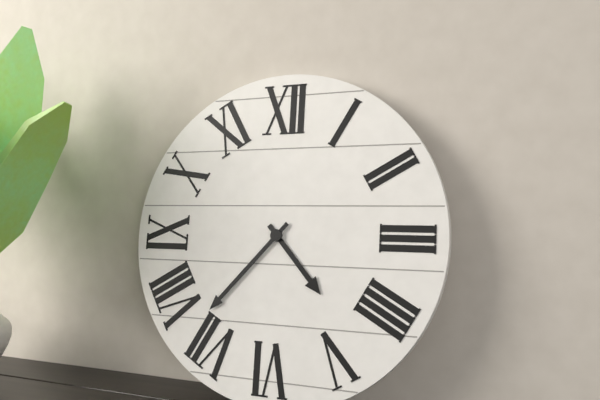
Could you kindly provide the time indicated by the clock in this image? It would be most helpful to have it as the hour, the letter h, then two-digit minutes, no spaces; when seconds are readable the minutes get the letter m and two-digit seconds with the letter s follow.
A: 4h37
